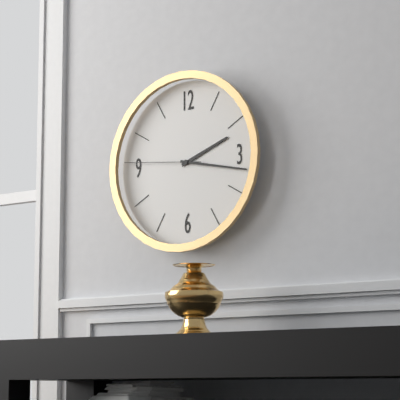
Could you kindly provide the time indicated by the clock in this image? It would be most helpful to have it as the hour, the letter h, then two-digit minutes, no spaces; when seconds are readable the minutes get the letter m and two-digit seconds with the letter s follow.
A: 2h17m46s
